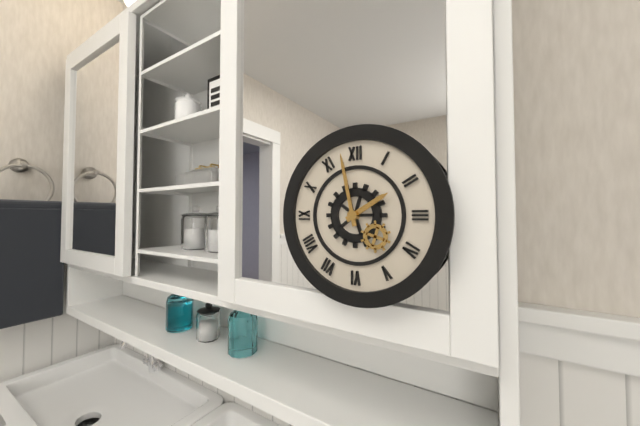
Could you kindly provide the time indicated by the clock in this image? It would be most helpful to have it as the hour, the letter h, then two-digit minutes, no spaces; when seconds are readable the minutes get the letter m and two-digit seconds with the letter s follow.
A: 1h58
